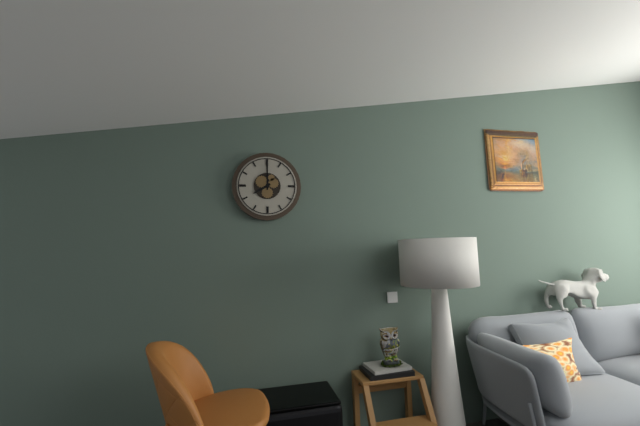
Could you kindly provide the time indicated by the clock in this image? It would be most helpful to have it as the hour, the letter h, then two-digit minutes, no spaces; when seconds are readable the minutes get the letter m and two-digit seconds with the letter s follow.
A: 8h00
